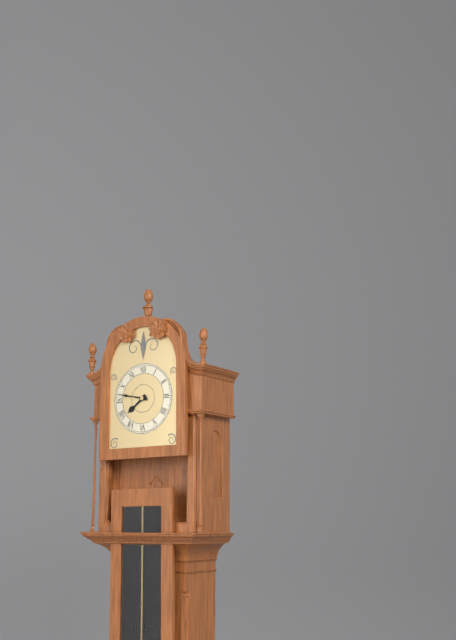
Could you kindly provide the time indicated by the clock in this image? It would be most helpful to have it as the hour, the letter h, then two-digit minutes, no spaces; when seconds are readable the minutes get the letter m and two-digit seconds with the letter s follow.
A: 7h47
